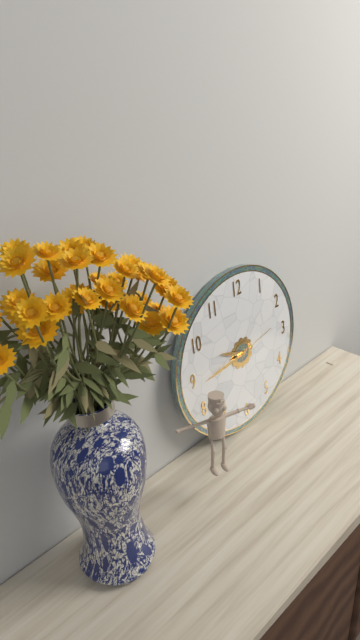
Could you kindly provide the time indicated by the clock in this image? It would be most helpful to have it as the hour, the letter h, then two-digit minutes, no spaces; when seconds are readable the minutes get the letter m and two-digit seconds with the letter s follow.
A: 9h44
